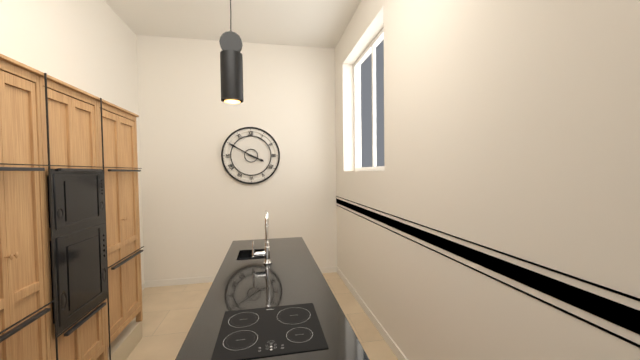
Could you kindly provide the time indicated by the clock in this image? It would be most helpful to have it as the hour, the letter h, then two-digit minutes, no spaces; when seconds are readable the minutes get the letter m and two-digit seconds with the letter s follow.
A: 3h50
